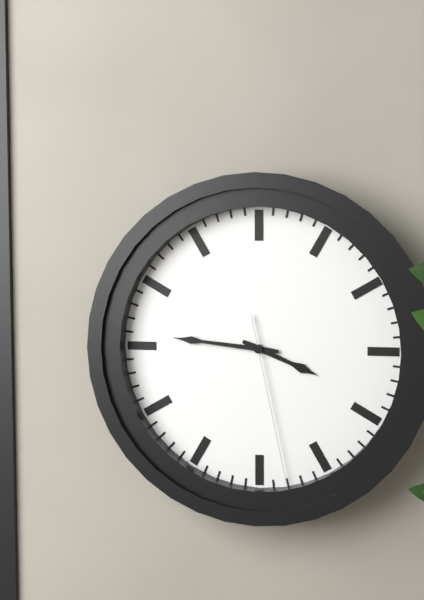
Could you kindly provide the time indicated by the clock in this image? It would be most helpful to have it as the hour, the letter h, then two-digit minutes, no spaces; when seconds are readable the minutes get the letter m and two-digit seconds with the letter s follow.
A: 3h46m28s
